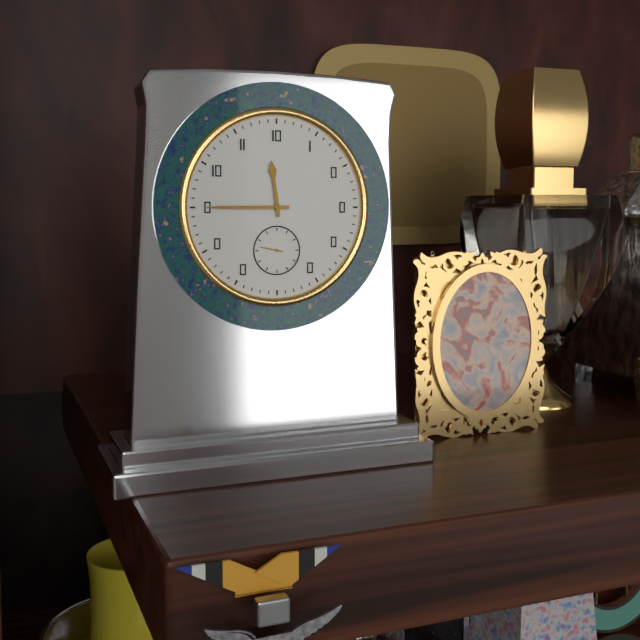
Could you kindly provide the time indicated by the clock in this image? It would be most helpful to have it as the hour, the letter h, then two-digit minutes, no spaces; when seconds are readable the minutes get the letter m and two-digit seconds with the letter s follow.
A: 11h45
